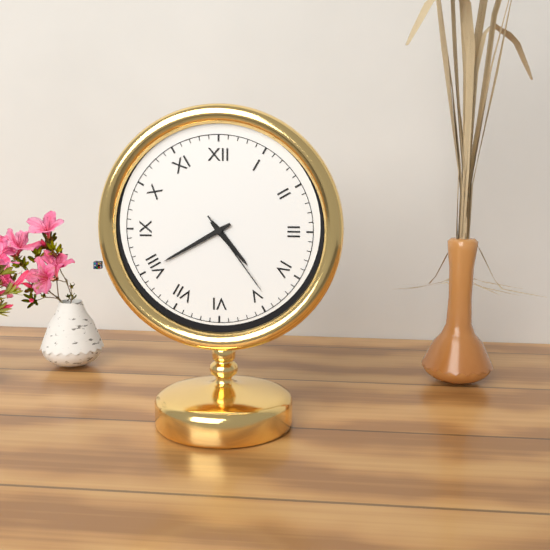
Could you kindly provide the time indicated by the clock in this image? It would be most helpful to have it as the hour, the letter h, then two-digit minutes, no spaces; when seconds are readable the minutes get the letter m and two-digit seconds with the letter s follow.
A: 4h40m24s
